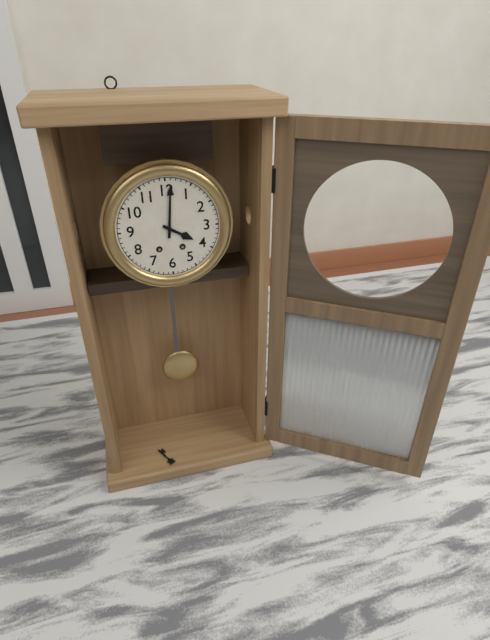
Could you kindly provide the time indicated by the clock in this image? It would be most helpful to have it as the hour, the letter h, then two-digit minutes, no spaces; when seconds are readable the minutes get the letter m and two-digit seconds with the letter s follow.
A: 4h01
